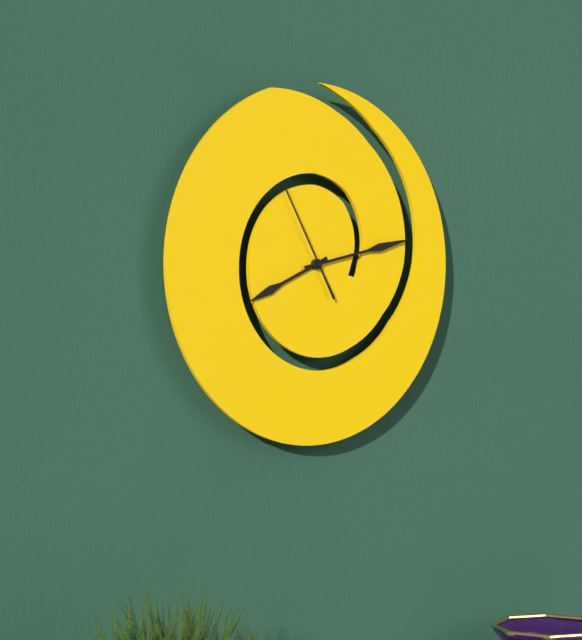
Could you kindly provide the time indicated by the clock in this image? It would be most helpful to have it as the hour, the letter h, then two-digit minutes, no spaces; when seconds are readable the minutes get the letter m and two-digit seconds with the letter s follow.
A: 8h13m55s
